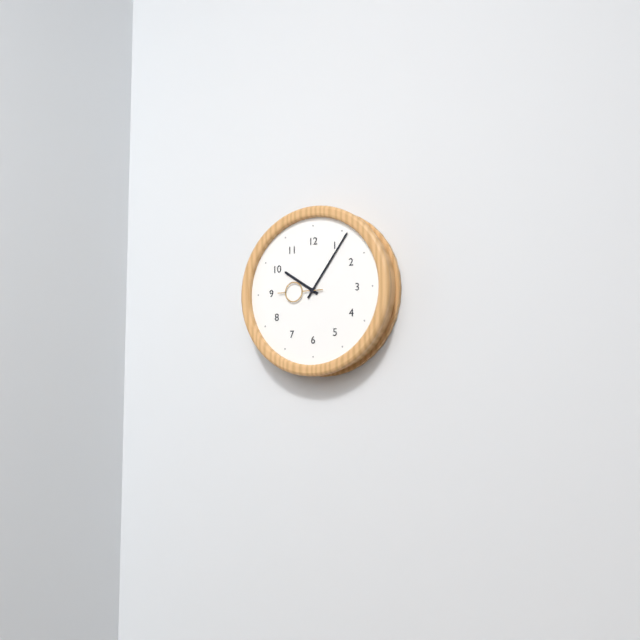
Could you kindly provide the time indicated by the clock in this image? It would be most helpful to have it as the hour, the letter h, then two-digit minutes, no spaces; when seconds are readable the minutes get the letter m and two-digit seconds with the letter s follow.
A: 10h06
